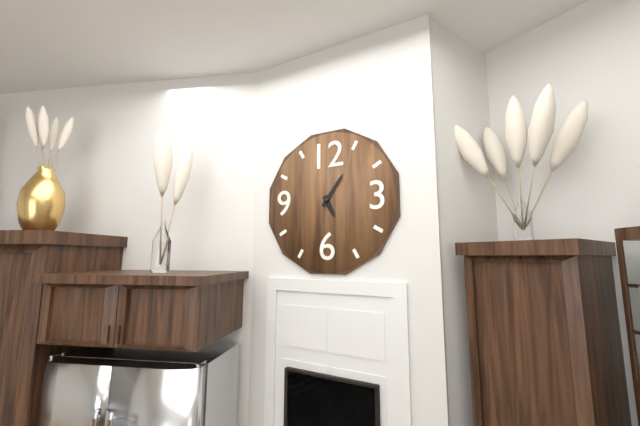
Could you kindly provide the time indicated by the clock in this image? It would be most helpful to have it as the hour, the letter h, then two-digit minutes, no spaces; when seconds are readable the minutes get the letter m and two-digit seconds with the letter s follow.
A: 5h06
